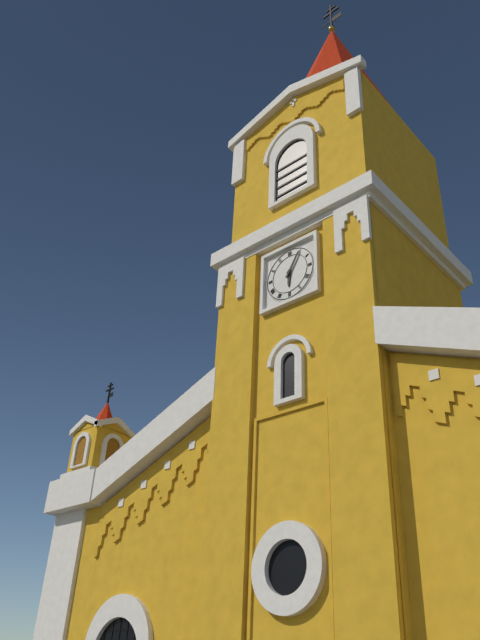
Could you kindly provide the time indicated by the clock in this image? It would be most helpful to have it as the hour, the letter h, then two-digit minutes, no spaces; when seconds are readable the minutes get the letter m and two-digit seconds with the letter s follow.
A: 6h05
